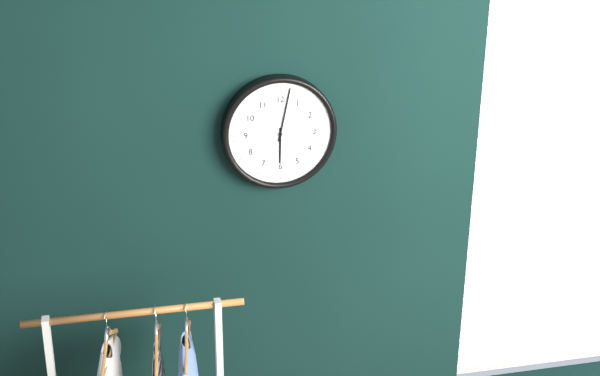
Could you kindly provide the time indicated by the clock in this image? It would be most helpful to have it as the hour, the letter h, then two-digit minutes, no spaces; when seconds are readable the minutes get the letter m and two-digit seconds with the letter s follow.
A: 6h02
